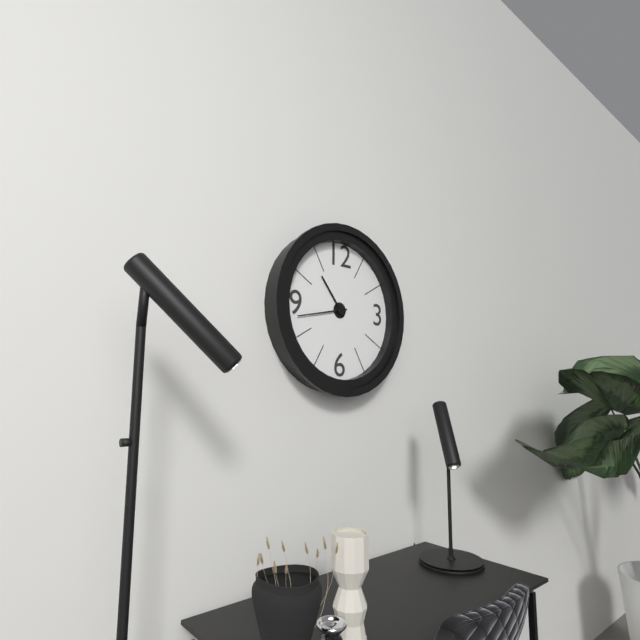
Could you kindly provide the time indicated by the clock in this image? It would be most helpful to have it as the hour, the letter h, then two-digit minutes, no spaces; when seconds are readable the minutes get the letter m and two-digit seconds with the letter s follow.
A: 10h43
